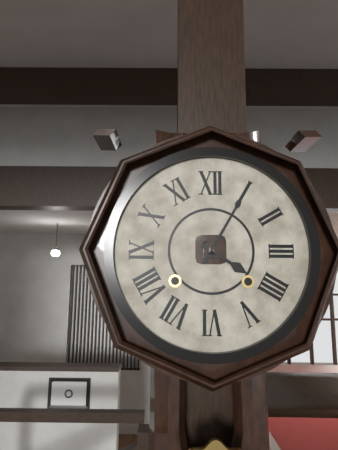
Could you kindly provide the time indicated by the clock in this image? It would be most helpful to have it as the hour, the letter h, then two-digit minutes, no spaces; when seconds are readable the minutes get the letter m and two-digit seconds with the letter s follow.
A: 4h05
